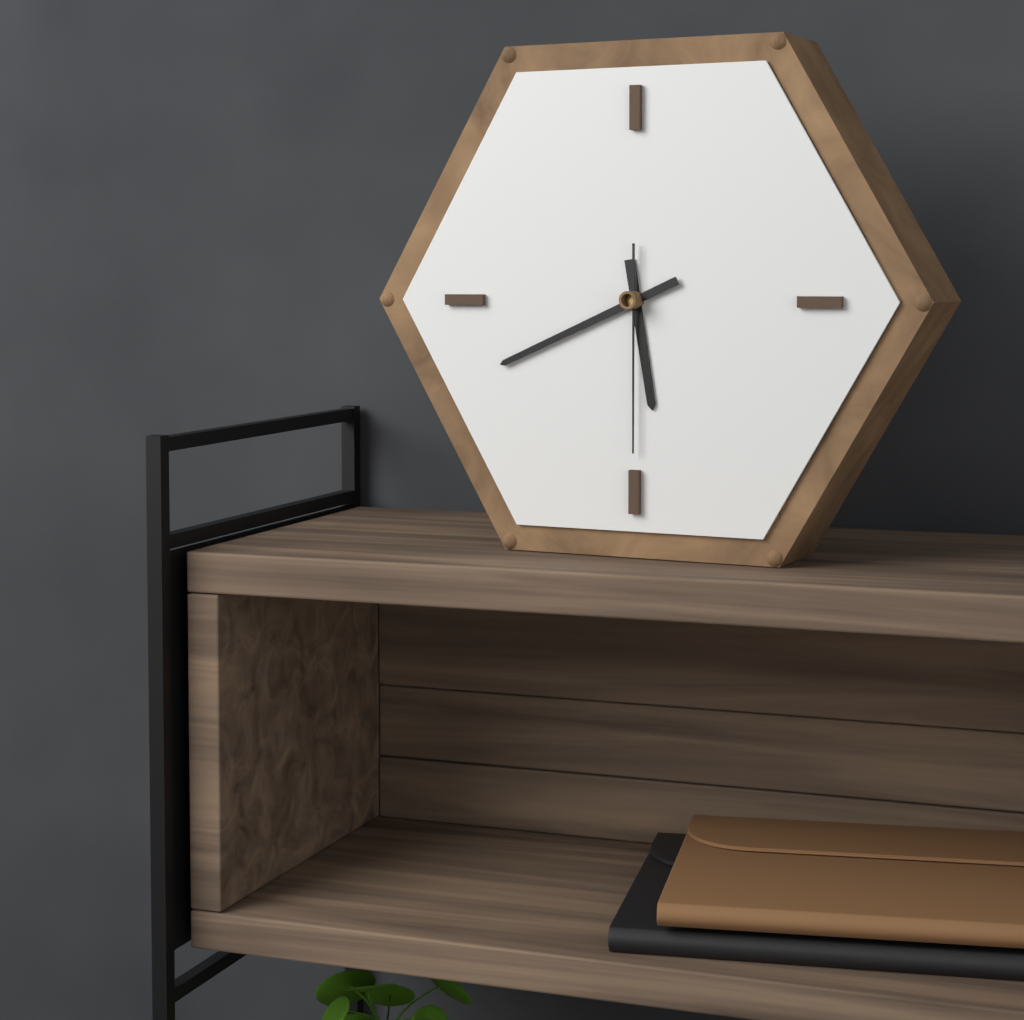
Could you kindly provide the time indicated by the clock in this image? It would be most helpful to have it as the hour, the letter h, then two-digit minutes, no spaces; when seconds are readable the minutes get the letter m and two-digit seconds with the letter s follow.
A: 5h41m30s
